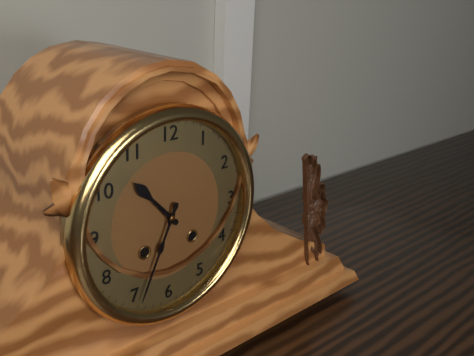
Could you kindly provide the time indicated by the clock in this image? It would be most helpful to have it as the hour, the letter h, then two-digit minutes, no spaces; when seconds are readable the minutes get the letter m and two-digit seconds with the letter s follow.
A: 10h34
